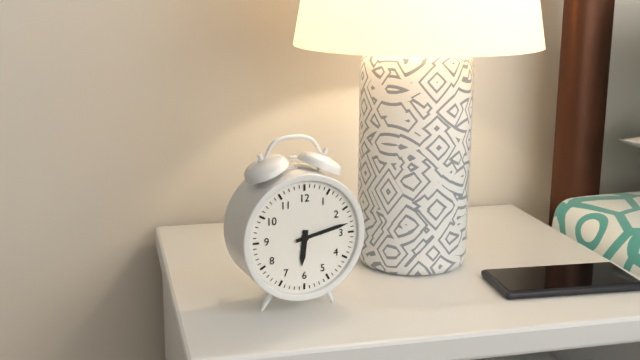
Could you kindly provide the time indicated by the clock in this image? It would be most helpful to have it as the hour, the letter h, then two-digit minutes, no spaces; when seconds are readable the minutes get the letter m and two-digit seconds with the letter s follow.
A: 6h13
